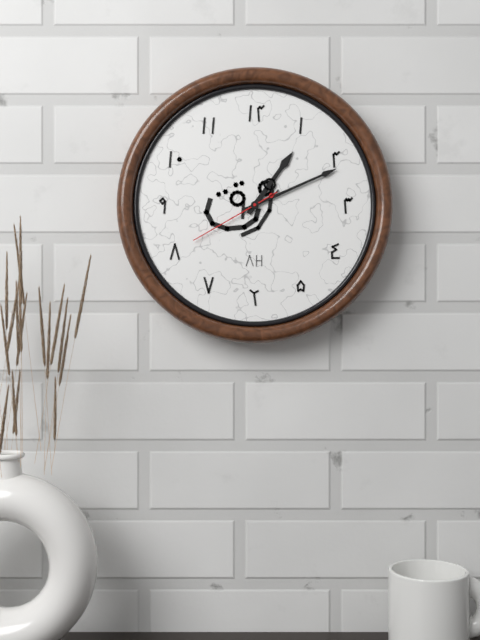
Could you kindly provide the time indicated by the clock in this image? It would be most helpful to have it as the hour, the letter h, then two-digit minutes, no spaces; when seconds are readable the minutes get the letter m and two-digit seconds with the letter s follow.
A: 1h11m40s
